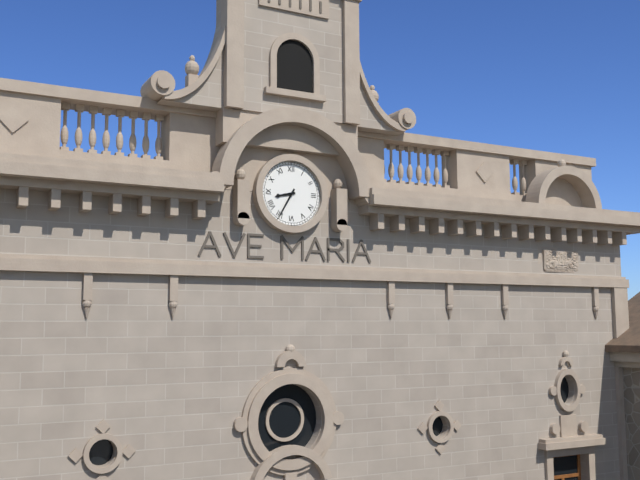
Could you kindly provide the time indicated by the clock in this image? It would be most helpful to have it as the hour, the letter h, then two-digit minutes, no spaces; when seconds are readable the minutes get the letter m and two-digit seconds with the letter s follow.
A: 8h35
